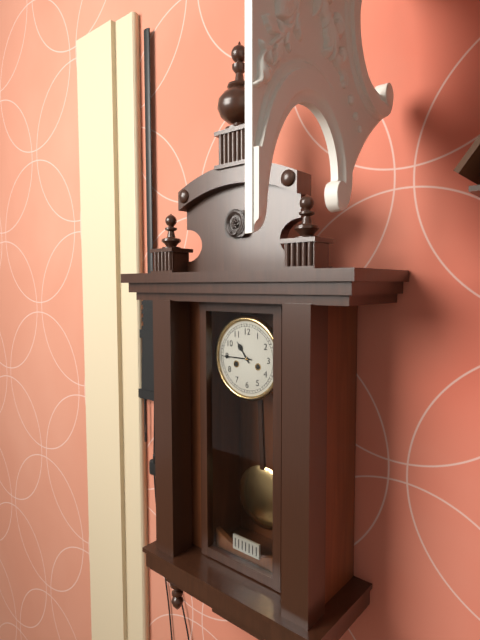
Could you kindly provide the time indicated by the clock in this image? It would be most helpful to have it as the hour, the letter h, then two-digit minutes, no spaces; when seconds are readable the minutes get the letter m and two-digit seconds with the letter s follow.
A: 10h45
